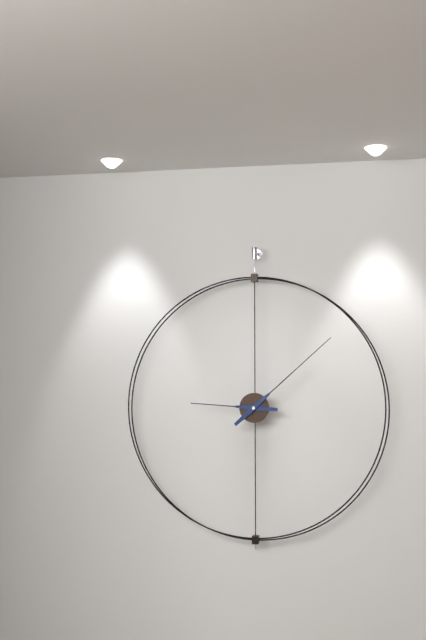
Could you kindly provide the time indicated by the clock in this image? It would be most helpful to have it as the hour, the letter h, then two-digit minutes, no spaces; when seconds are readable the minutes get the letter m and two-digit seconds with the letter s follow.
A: 9h08
